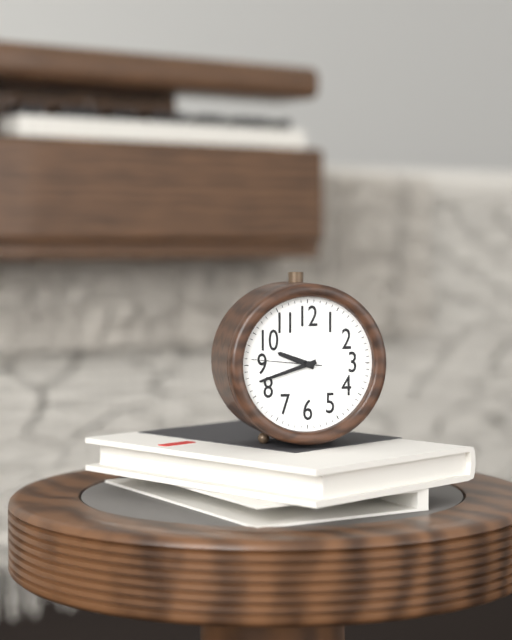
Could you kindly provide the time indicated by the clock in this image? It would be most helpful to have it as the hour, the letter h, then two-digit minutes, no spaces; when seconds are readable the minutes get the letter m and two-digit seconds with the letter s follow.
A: 9h42m46s
